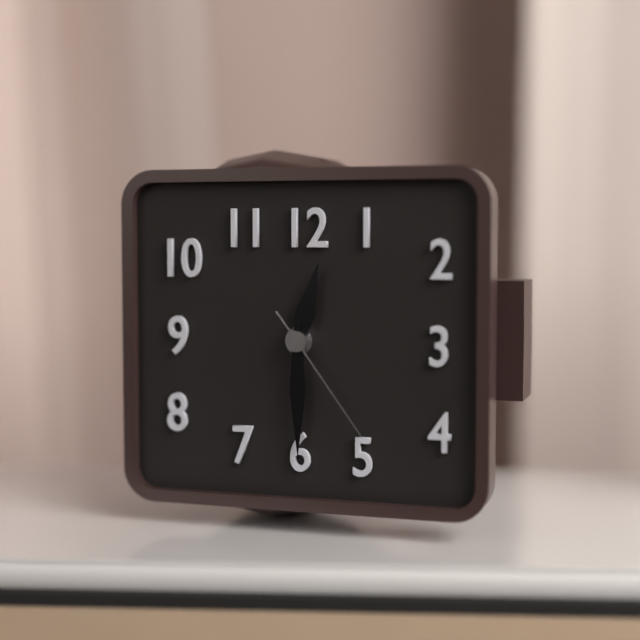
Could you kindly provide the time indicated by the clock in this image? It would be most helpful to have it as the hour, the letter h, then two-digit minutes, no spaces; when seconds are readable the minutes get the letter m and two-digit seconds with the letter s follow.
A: 12h30m24s
